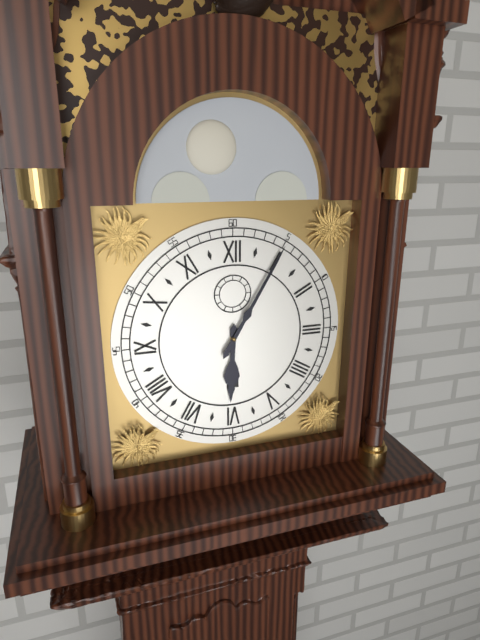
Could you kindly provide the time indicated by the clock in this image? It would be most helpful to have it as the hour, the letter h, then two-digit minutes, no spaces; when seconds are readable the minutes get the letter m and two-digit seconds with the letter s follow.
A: 6h05
